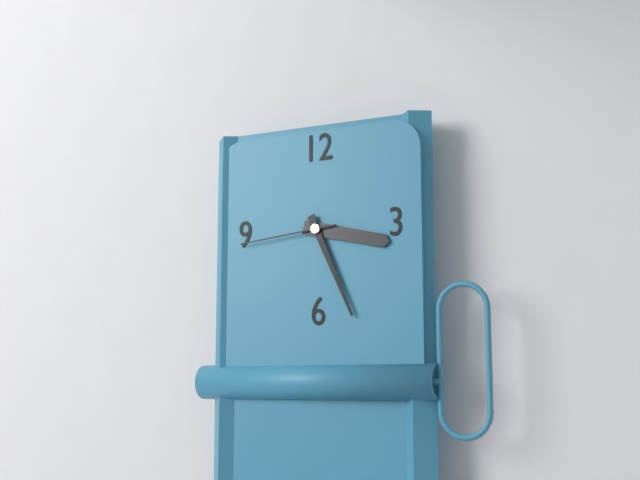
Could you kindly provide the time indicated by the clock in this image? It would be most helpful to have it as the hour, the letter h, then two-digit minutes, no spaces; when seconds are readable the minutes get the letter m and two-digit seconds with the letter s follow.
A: 3h26m44s
